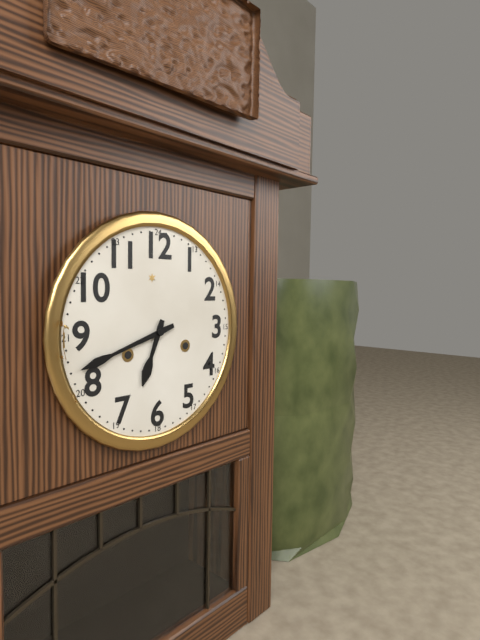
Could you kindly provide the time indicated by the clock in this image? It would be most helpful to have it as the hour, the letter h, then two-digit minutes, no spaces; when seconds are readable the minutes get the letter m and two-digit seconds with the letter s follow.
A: 6h42
